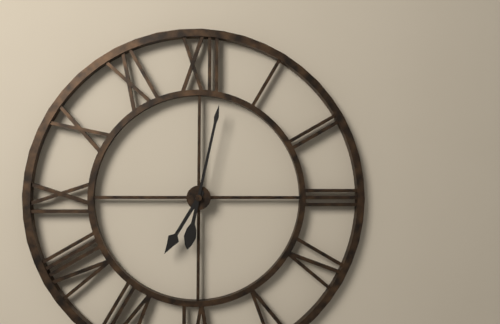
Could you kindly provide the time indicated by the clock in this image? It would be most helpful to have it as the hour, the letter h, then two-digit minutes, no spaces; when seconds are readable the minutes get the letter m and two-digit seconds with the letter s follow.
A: 7h02
